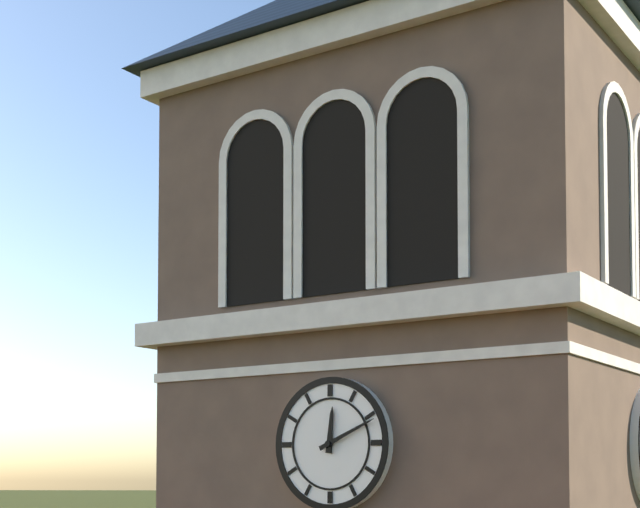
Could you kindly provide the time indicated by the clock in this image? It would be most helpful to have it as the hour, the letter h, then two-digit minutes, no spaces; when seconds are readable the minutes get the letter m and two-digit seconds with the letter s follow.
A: 12h11
